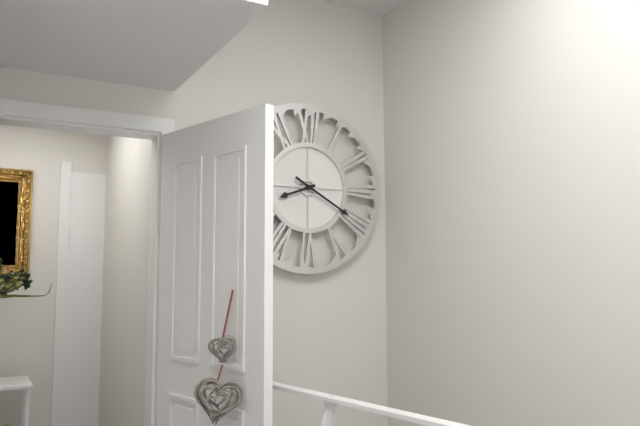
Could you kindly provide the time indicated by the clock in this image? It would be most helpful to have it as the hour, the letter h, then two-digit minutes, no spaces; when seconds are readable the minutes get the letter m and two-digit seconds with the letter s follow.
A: 8h20
